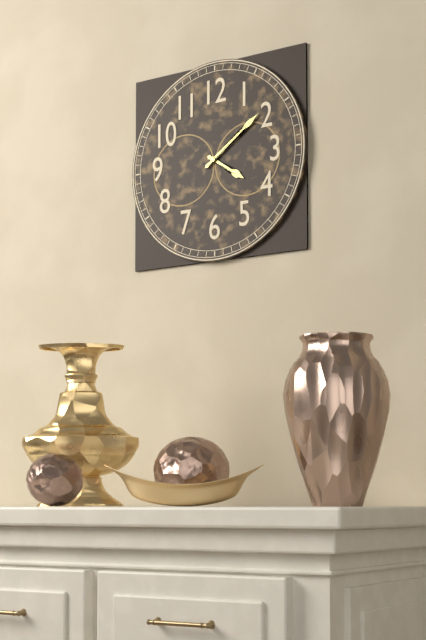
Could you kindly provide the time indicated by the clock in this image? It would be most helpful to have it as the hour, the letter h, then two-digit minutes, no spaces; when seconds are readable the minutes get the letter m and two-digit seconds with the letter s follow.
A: 4h09
